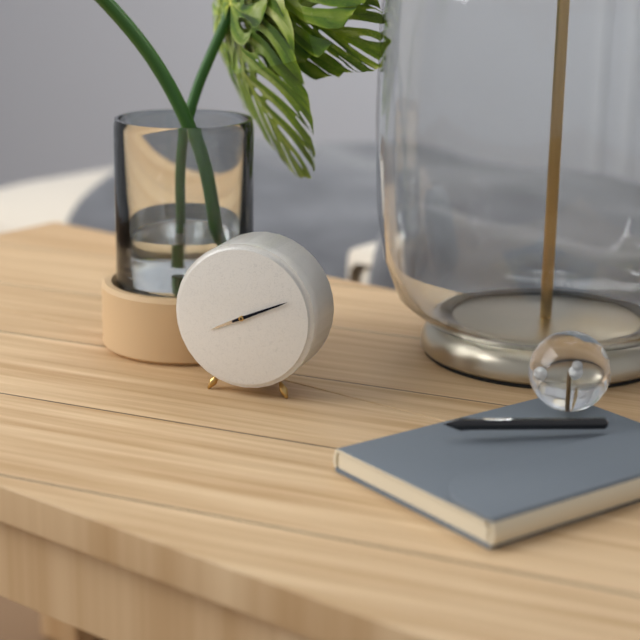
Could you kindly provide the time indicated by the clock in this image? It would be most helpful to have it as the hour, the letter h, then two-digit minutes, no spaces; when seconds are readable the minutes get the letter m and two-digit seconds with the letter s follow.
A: 8h11
